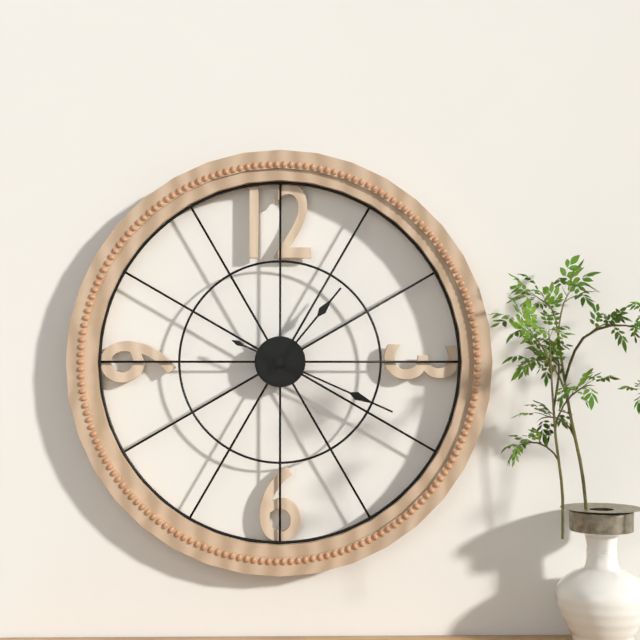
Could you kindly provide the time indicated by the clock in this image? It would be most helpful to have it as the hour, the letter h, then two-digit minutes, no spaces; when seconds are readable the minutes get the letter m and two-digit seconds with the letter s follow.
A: 1h19
